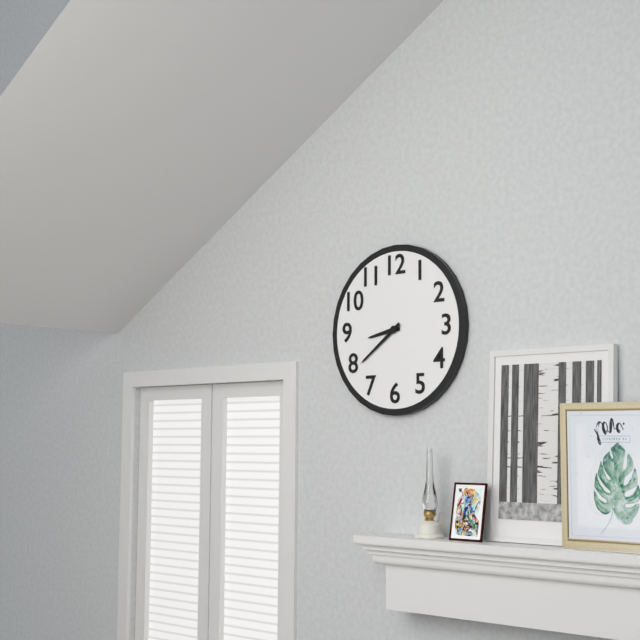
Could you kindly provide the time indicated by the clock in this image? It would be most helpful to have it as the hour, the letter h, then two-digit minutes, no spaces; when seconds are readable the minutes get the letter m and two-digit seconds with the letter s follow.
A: 8h39
